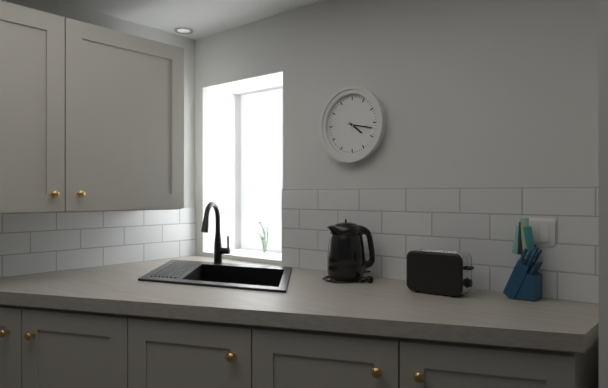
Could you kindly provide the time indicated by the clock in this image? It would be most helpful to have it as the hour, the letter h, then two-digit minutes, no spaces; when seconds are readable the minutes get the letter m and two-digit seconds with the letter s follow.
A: 4h17
